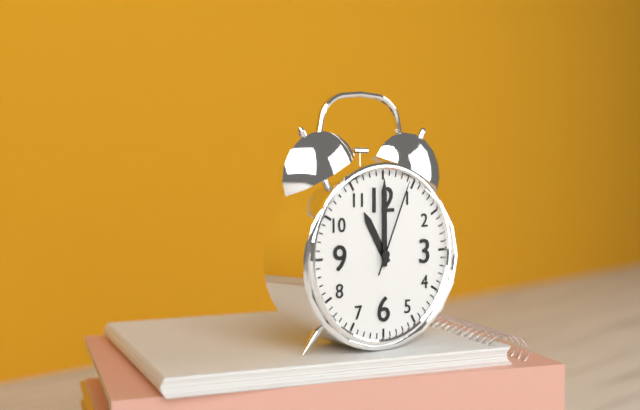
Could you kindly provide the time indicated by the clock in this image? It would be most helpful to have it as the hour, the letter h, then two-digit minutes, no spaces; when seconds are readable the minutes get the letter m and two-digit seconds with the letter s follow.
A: 11h00m04s
